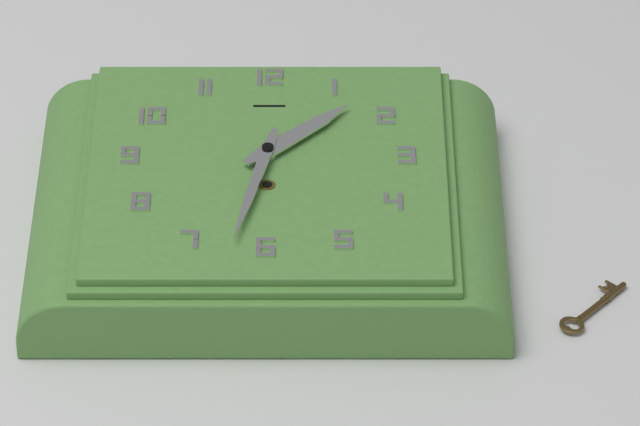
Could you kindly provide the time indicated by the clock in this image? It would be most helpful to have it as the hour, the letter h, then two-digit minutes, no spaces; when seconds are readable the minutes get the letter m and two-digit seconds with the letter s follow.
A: 1h32
